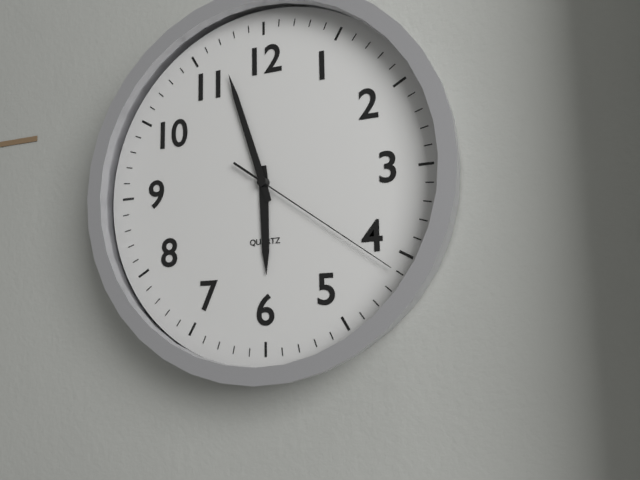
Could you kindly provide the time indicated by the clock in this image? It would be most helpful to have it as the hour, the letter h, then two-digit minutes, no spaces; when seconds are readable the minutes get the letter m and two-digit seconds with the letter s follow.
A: 5h57m21s
